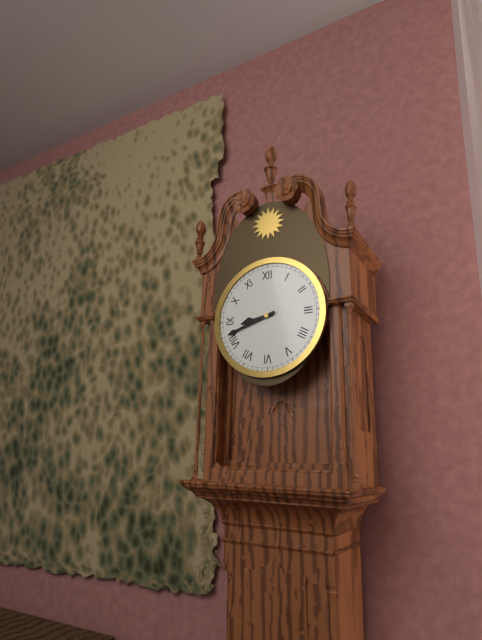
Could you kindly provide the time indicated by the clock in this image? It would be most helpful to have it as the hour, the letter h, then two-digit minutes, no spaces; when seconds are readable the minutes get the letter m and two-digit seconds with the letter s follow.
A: 8h42
